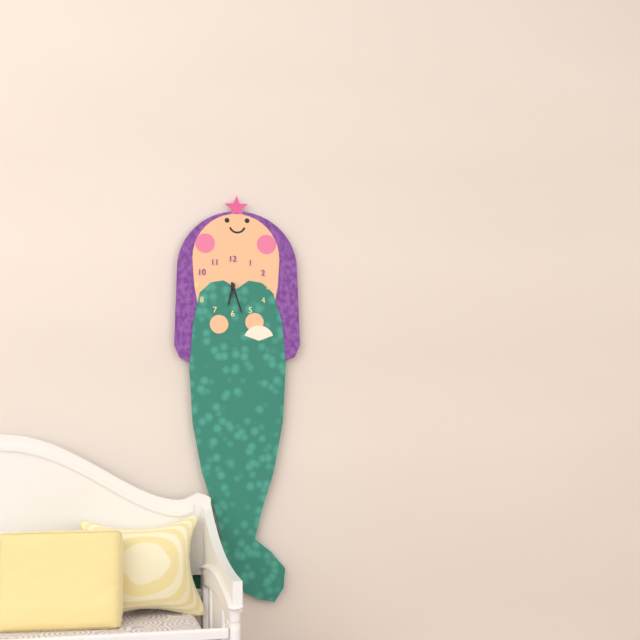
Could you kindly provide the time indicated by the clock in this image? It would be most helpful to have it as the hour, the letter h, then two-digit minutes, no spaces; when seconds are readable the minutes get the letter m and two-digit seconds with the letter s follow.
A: 6h27
